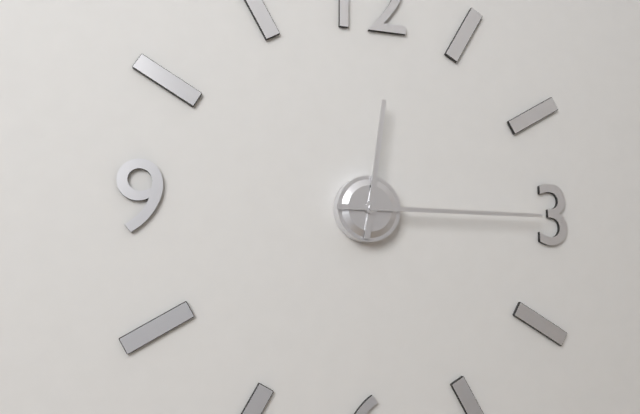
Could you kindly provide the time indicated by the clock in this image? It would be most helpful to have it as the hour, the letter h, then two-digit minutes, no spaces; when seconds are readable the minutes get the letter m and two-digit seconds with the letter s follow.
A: 12h15
